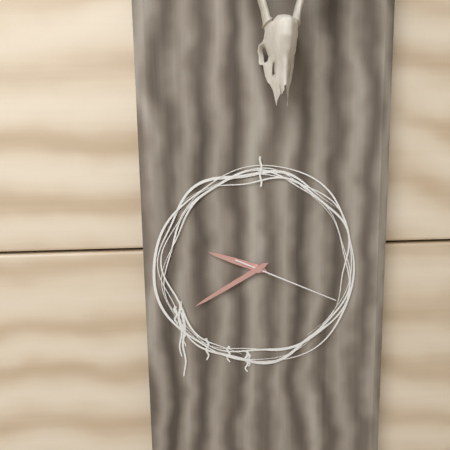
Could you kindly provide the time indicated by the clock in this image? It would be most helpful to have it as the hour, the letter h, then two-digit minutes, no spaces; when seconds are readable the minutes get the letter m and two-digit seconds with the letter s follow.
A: 9h40m19s
